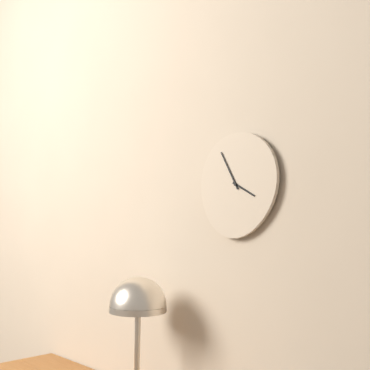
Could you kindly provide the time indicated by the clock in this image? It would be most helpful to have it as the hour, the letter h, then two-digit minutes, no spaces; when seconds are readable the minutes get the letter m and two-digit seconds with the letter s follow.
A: 3h55
